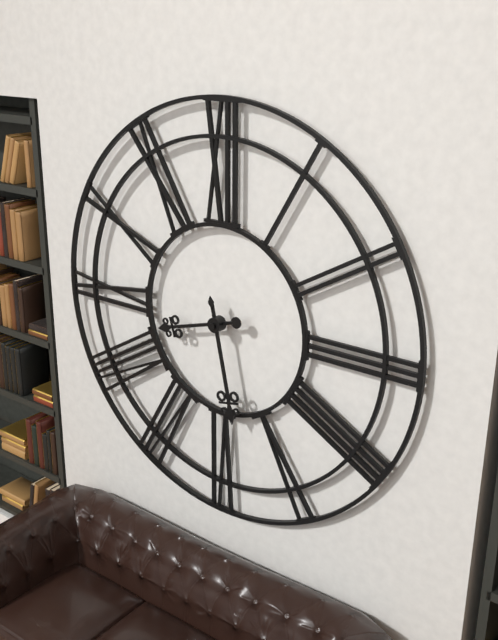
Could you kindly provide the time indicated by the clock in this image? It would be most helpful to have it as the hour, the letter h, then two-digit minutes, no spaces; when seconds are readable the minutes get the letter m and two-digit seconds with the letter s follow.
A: 8h28
